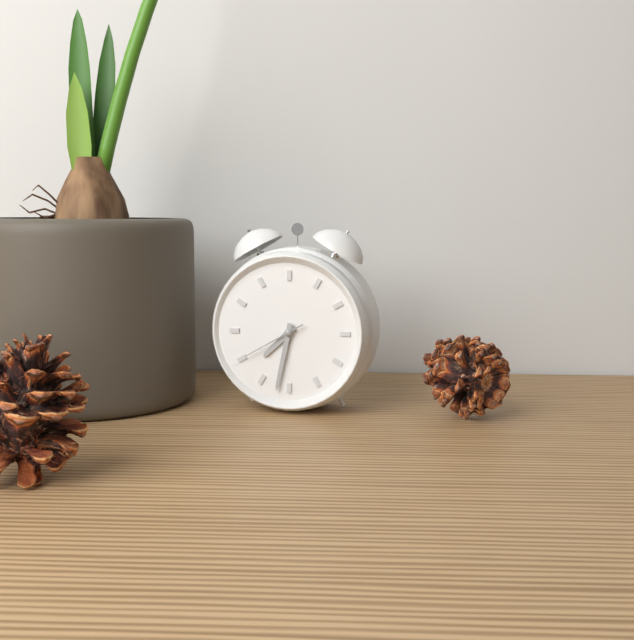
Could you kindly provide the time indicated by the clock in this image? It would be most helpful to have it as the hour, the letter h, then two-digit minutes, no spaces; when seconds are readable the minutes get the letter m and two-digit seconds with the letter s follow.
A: 7h32m40s
